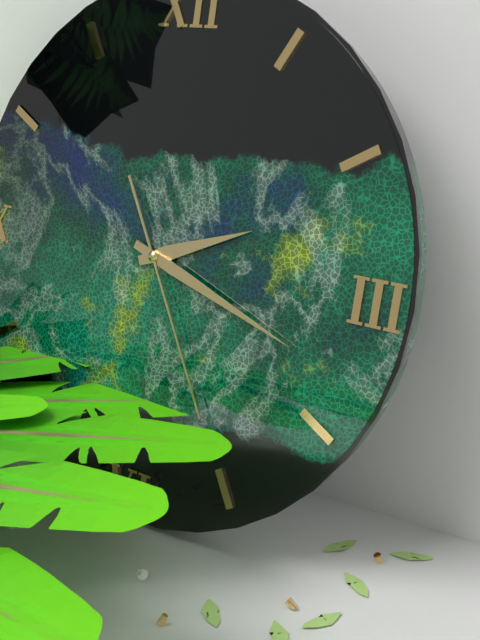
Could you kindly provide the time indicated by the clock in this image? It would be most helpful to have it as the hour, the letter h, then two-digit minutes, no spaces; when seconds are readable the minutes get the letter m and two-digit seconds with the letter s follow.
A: 2h18m25s
